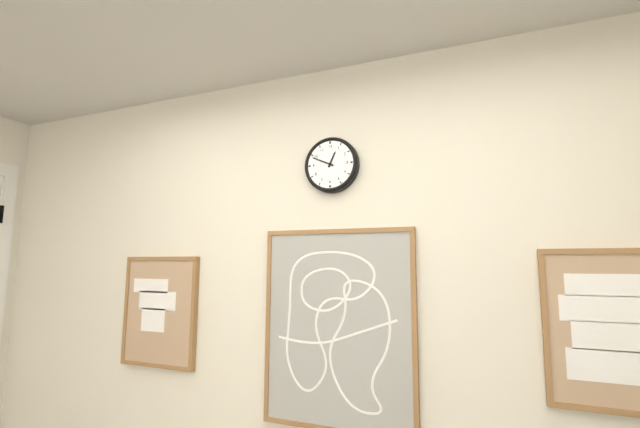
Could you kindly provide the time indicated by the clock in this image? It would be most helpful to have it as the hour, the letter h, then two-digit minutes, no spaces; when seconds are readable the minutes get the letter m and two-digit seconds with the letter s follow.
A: 12h49
